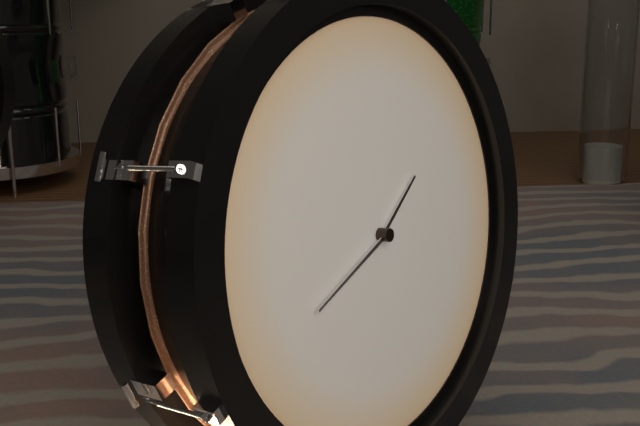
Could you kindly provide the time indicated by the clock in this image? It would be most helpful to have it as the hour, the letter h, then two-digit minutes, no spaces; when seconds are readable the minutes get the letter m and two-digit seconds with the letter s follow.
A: 1h41
